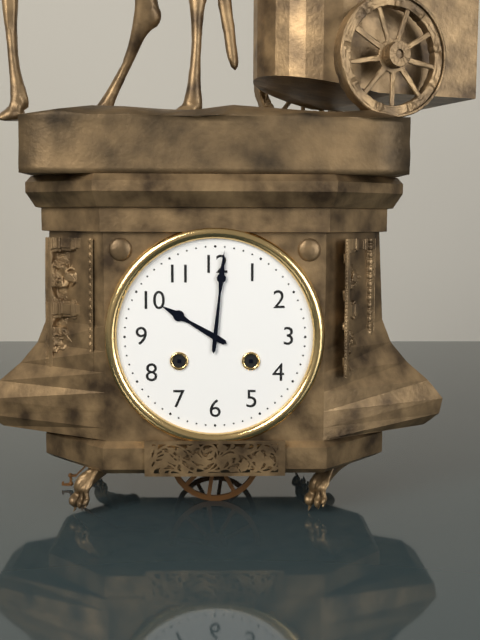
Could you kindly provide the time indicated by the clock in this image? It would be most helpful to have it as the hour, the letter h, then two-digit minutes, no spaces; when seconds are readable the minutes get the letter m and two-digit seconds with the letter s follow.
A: 10h01
